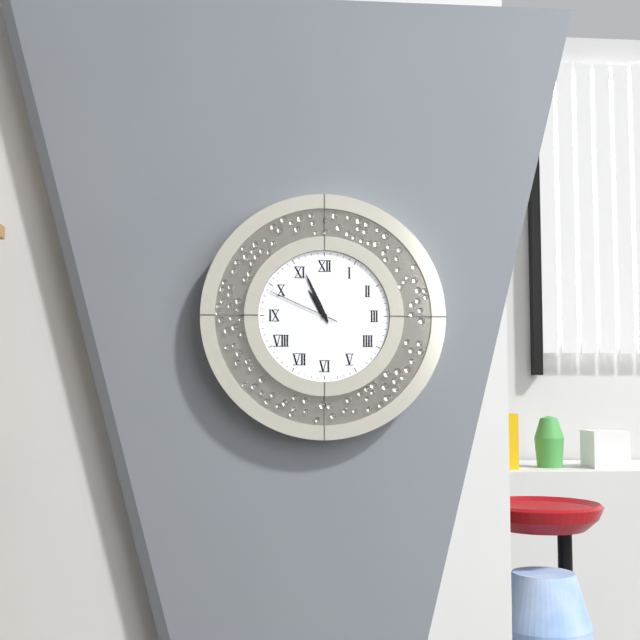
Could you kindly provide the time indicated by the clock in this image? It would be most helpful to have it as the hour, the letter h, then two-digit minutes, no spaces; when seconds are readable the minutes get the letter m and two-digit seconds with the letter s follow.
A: 10h56m49s
